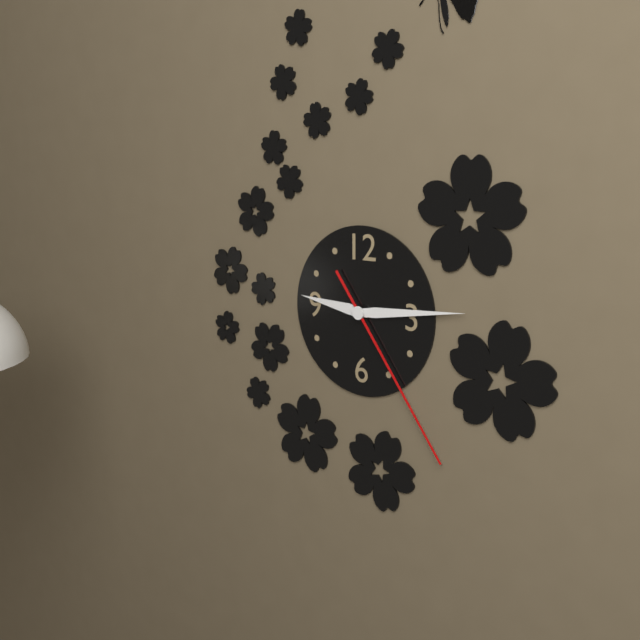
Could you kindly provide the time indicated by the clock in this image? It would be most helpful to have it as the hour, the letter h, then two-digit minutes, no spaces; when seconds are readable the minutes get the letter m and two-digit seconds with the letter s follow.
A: 9h14m24s
